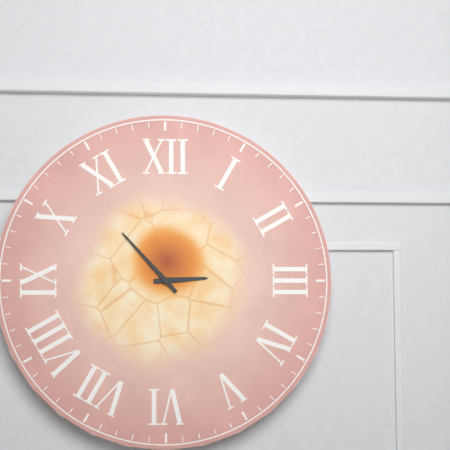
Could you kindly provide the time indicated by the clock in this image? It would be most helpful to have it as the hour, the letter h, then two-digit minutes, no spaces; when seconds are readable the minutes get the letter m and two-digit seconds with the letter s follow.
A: 2h53
